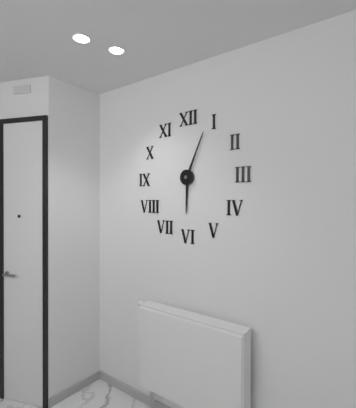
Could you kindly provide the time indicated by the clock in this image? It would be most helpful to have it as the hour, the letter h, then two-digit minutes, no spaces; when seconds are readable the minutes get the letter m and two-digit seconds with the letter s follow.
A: 6h04
